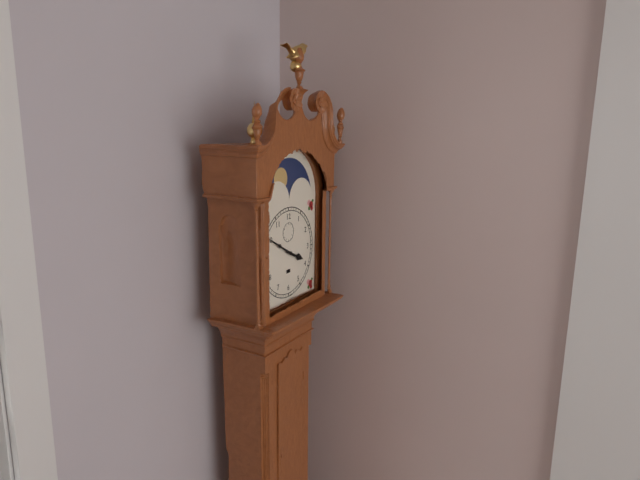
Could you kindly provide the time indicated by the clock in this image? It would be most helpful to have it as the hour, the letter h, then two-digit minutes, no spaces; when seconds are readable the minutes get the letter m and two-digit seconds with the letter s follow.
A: 3h50
